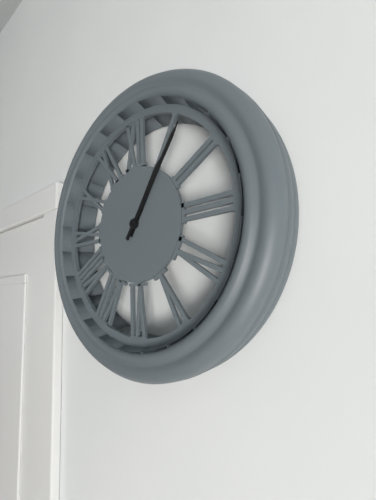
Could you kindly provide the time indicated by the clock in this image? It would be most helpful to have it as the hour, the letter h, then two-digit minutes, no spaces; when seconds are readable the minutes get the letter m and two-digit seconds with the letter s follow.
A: 1h06
